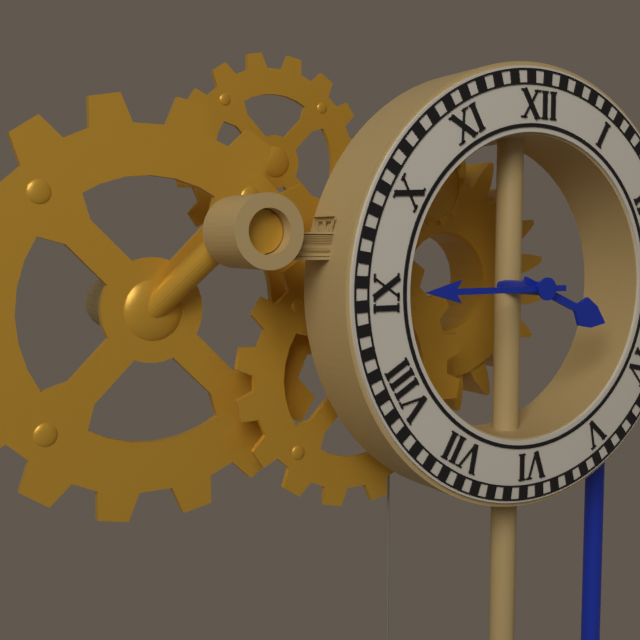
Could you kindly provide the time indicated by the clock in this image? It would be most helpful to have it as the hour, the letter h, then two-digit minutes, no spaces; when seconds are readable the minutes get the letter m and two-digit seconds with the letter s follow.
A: 3h45
